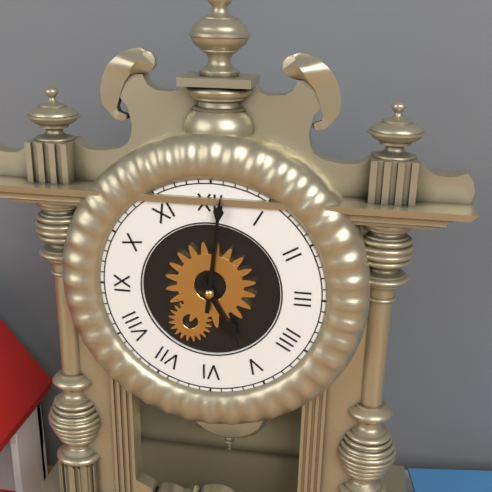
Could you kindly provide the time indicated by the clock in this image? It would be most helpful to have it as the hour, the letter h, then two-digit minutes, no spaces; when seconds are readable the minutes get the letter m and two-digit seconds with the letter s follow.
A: 5h01
